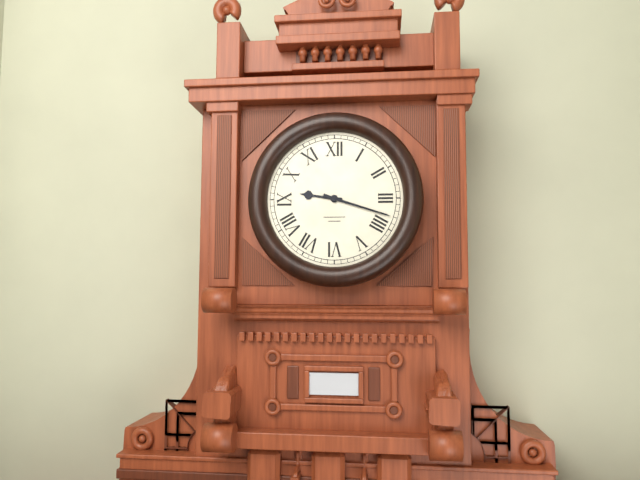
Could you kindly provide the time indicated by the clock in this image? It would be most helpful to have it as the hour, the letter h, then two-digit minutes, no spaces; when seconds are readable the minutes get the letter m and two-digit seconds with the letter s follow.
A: 9h18
